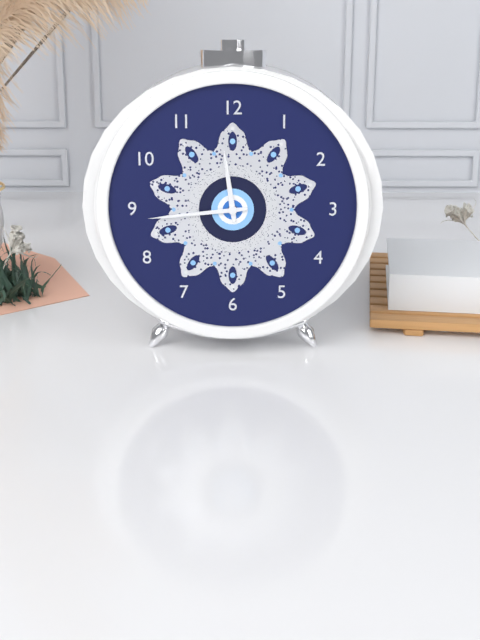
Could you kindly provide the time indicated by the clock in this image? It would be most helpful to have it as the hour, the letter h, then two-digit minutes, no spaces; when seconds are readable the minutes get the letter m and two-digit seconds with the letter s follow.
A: 11h44
